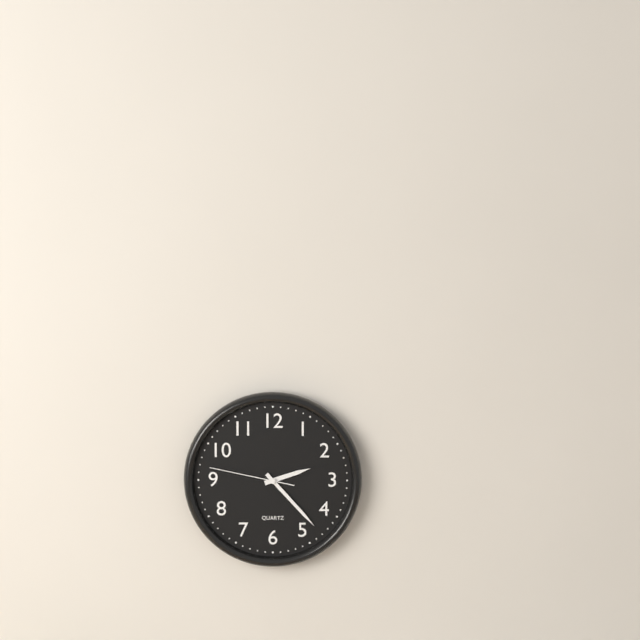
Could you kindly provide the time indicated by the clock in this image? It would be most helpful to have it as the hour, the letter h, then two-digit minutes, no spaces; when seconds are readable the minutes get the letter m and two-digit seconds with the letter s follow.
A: 2h23m47s
